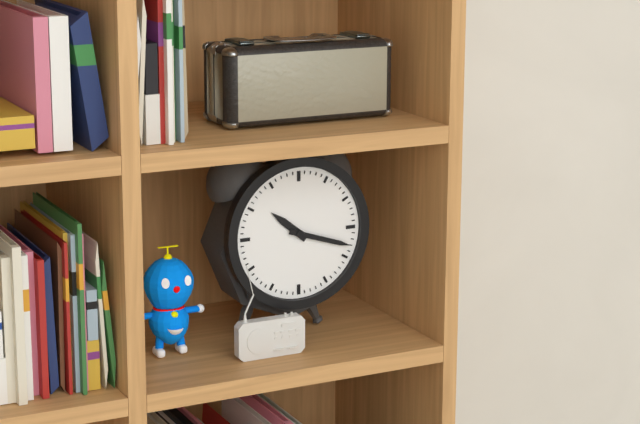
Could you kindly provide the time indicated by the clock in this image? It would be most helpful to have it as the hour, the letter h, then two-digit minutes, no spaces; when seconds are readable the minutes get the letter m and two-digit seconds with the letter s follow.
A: 10h18
